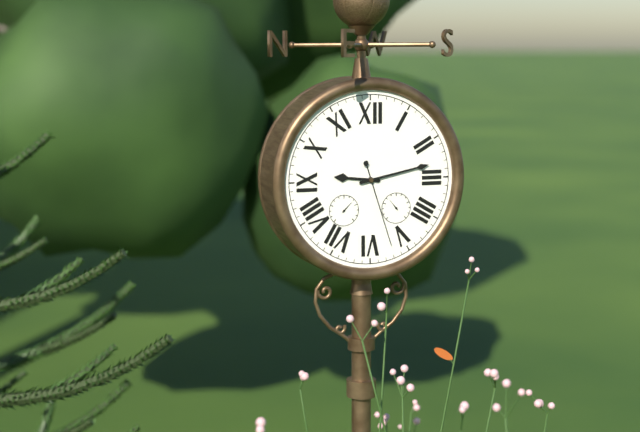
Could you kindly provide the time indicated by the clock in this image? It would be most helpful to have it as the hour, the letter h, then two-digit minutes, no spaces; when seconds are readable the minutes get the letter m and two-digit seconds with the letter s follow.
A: 9h13m27s
